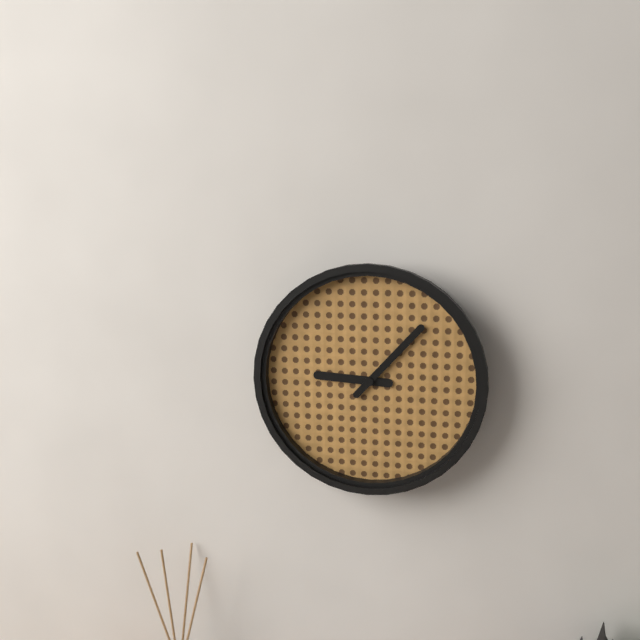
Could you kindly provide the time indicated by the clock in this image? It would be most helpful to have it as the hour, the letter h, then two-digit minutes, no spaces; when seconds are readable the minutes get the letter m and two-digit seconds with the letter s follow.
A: 9h07
